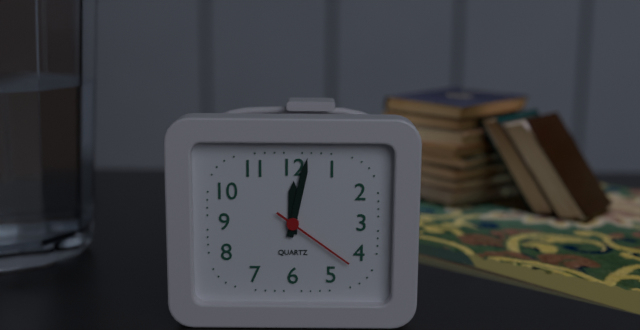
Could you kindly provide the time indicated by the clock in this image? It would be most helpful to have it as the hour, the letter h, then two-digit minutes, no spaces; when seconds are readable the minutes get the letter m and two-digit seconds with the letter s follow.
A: 12h02m21s
